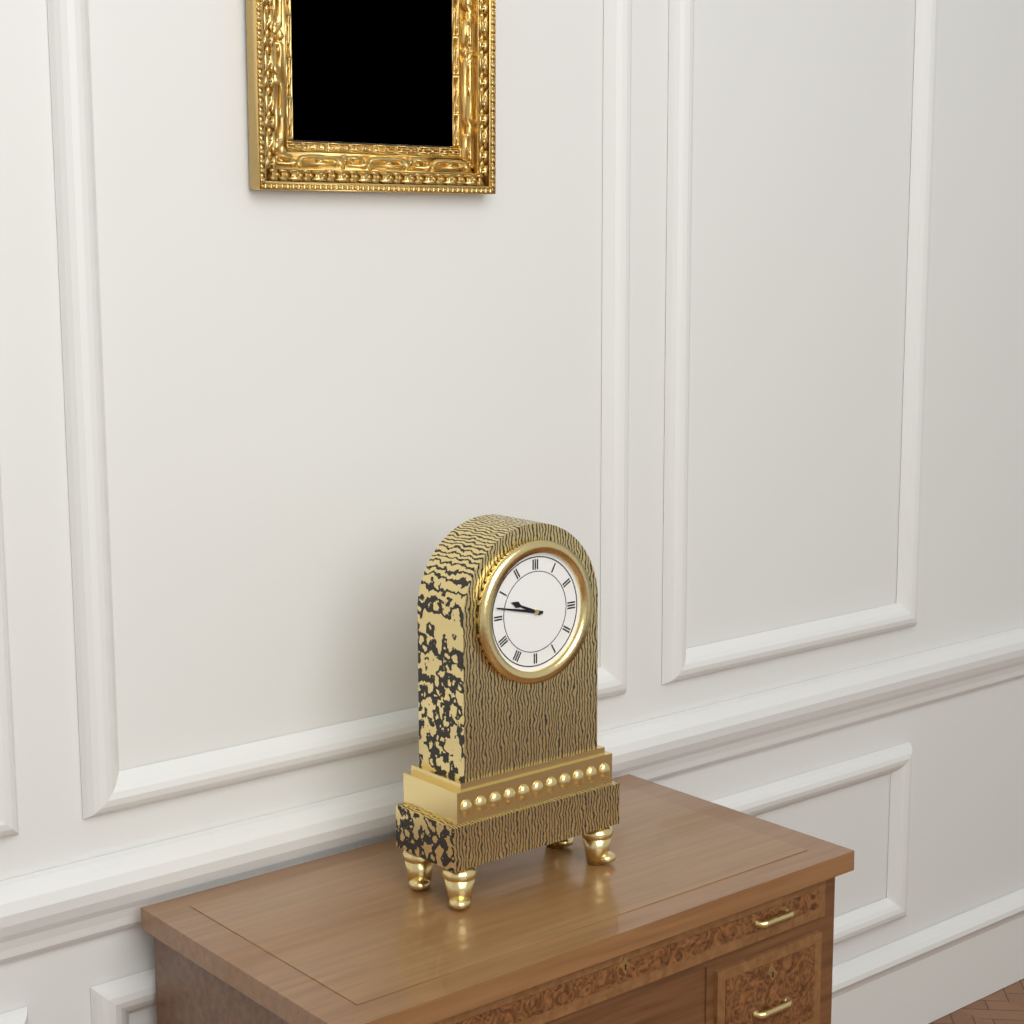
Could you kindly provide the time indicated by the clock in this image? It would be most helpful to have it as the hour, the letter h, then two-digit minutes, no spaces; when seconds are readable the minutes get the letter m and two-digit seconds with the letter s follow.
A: 9h47
